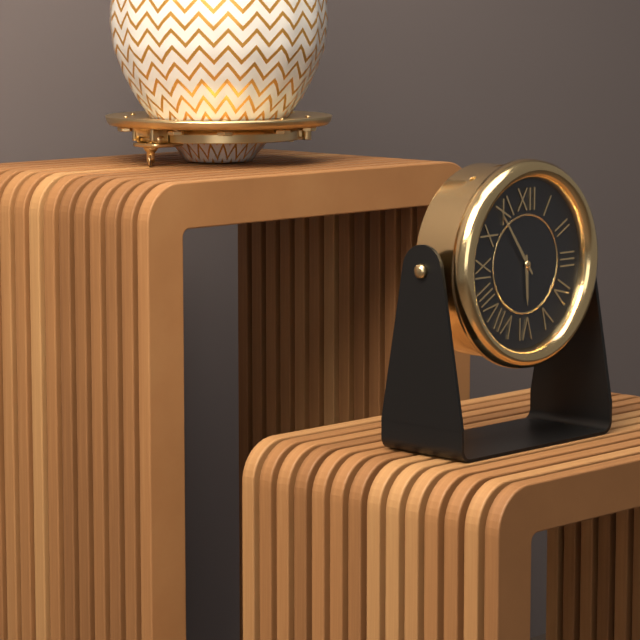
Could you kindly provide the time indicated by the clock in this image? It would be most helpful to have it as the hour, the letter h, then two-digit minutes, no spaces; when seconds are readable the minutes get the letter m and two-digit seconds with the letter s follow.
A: 5h54
